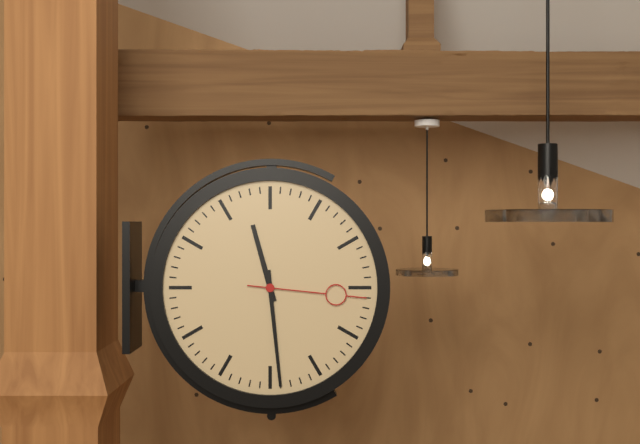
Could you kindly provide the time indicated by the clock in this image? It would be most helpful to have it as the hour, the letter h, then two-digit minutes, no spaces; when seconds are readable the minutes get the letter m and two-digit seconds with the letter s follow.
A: 11h29m16s
